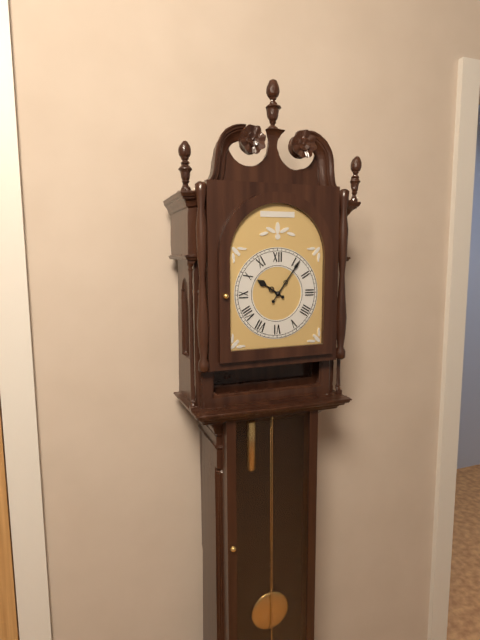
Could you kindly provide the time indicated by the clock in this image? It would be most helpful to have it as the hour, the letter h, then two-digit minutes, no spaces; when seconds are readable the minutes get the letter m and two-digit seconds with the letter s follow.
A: 10h06
